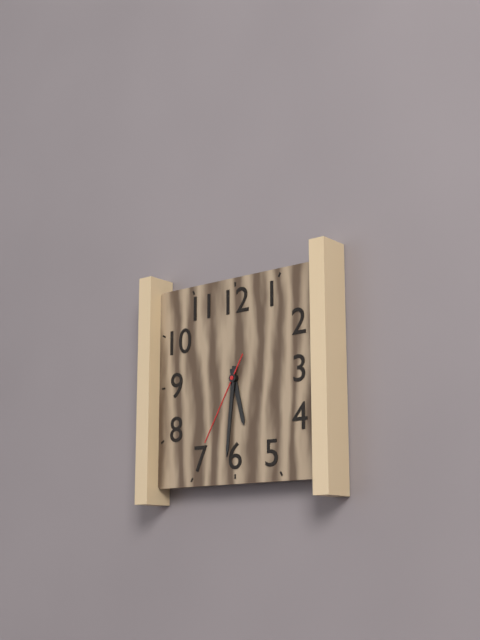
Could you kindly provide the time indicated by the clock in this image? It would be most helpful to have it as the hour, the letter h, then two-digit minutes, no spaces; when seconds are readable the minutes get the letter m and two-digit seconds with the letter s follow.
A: 5h31m35s
